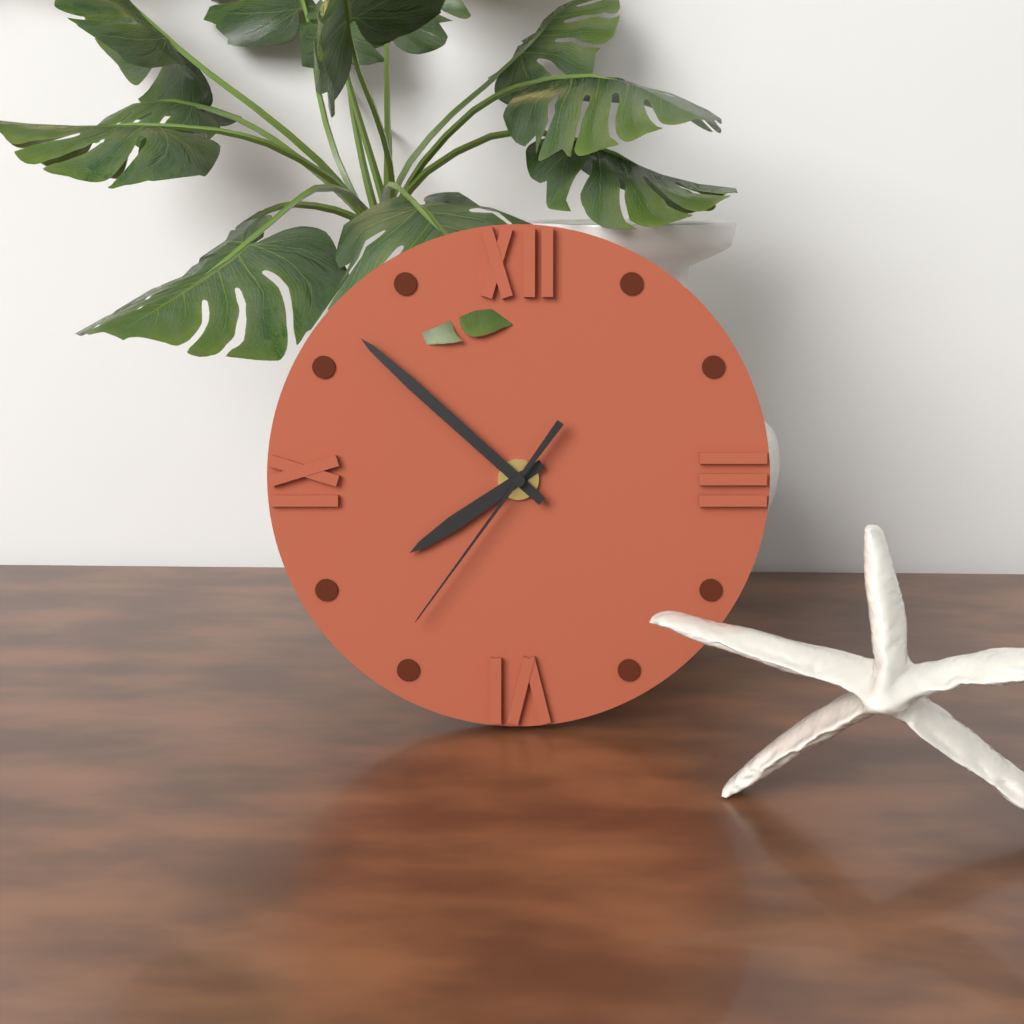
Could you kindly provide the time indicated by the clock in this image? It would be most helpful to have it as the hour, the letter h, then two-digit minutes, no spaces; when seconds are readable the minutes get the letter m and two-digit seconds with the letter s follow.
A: 7h52m36s
